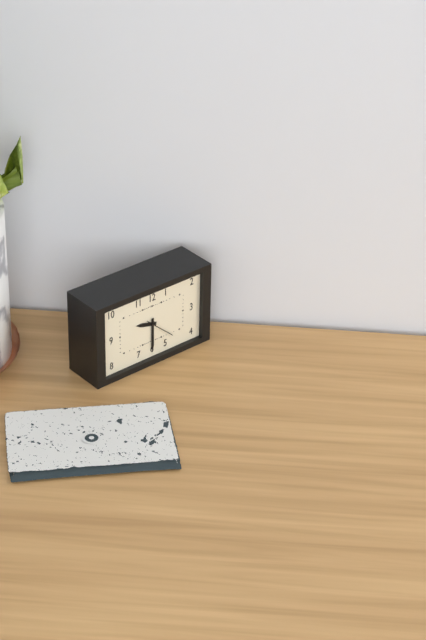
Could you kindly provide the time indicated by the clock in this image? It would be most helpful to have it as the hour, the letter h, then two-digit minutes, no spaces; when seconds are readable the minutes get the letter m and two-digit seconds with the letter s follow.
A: 9h30
